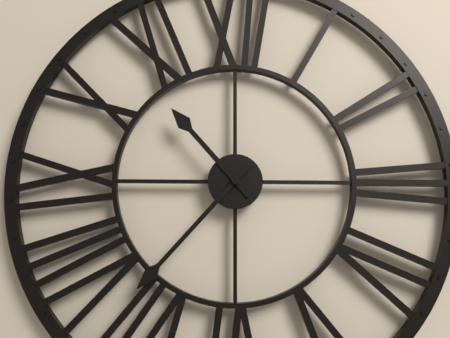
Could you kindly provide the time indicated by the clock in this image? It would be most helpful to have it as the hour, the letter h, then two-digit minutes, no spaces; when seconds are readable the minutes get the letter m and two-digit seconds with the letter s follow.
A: 10h37
